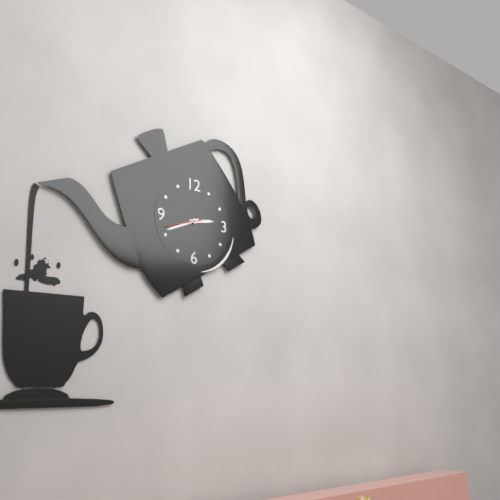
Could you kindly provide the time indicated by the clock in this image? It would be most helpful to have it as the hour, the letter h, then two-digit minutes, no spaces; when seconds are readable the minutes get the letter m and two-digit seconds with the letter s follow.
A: 2h41
